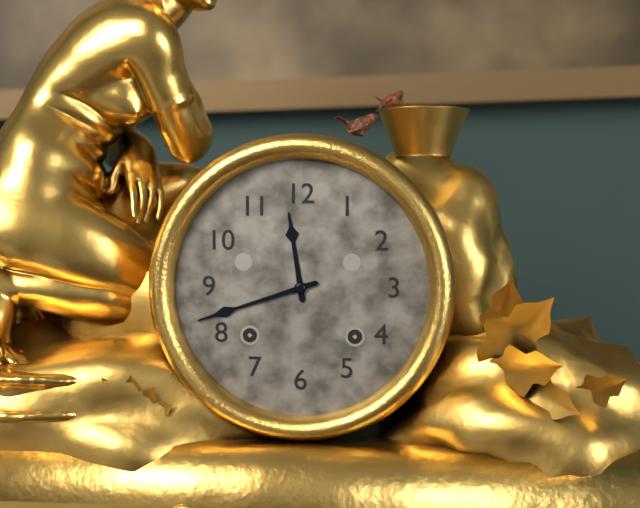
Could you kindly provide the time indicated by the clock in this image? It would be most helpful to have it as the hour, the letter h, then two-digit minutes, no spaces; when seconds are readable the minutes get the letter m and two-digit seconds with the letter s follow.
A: 11h42
